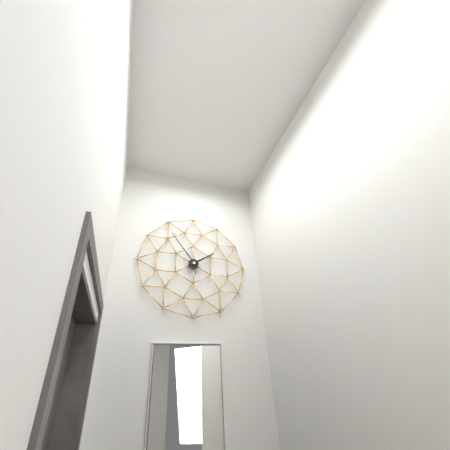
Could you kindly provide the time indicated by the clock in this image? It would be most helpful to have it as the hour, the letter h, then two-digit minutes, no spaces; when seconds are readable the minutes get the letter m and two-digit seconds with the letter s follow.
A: 1h54
